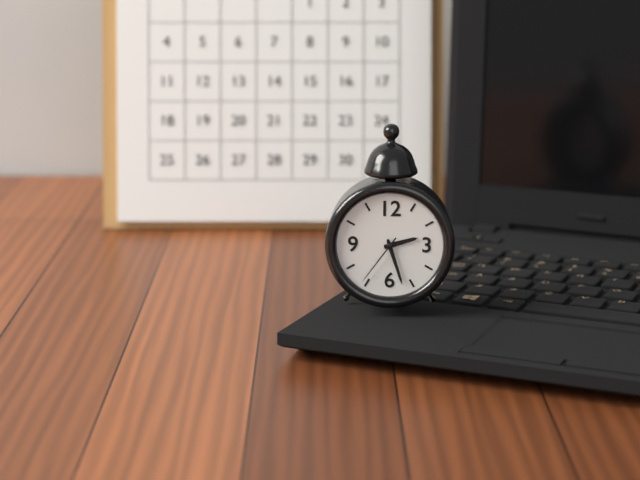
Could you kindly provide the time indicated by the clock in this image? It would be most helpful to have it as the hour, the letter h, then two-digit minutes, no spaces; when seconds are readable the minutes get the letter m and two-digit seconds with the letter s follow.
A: 2h27m36s
